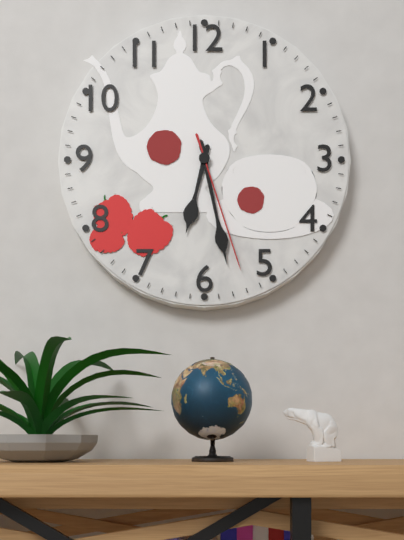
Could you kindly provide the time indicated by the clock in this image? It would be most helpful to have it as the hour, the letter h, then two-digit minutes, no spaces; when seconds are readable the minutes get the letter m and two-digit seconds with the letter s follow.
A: 6h28m27s
